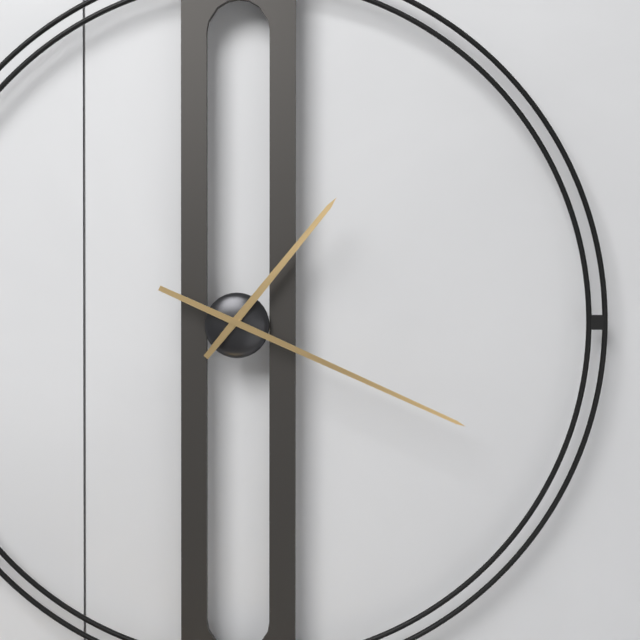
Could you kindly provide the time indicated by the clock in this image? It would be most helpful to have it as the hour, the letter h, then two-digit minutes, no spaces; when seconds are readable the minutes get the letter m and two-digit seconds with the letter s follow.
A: 1h19
